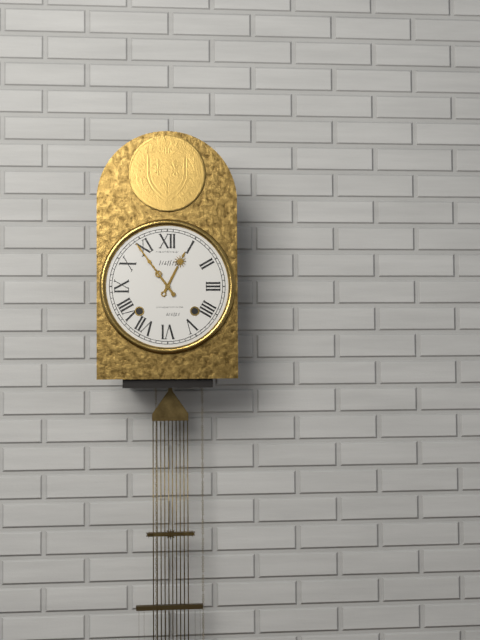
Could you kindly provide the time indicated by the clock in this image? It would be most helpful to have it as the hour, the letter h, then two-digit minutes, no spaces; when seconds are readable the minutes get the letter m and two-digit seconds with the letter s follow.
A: 12h54
